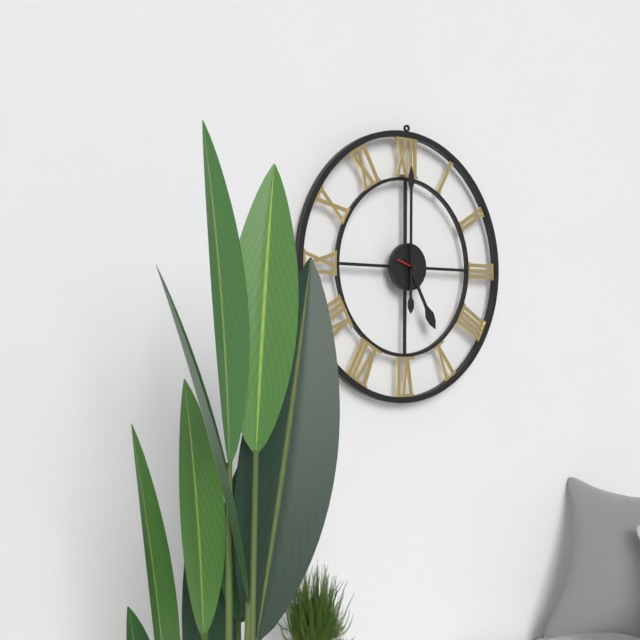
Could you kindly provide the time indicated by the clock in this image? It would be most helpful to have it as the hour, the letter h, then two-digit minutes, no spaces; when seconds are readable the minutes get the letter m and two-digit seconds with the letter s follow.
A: 5h00
